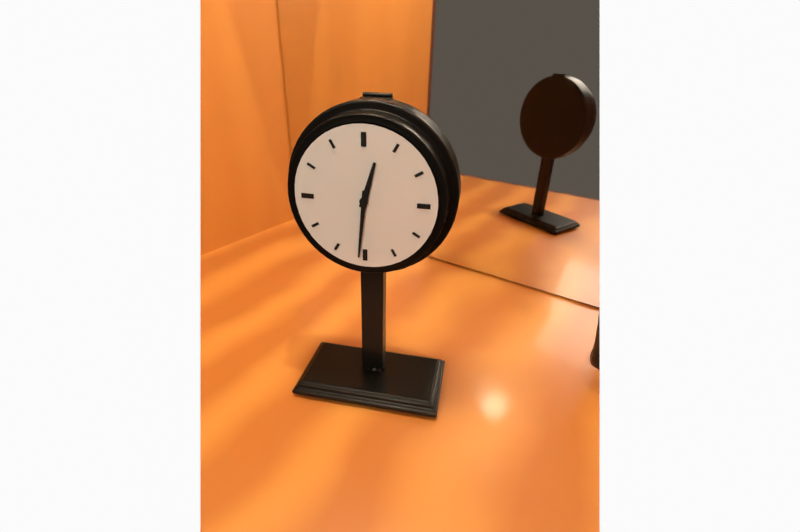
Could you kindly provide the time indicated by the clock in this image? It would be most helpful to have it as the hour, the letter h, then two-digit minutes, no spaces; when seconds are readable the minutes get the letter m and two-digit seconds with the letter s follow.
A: 12h31
